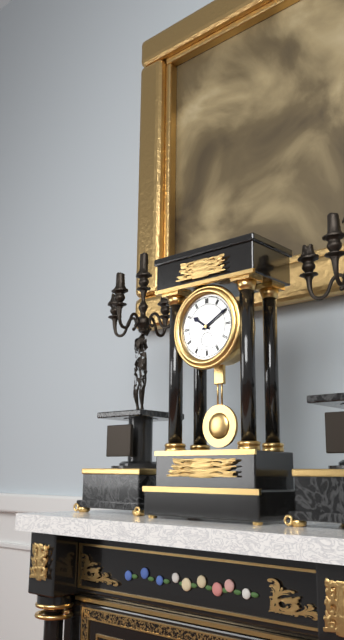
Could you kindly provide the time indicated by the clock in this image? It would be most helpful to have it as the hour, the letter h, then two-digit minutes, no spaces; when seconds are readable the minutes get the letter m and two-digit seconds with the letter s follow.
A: 10h10
